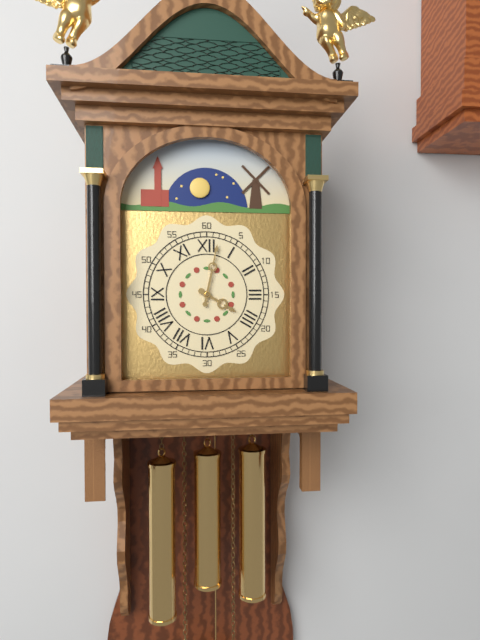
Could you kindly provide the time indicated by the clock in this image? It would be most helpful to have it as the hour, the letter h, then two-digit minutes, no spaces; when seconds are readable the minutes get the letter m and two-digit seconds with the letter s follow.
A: 4h02
